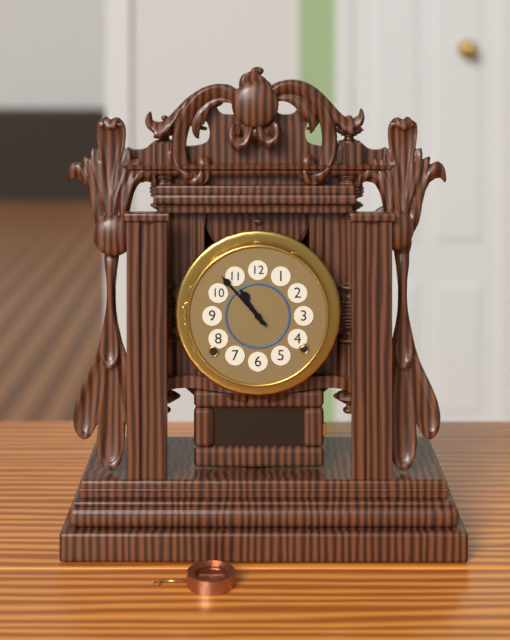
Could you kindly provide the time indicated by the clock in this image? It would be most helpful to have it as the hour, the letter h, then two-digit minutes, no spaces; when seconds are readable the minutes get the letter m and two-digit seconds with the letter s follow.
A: 10h53
